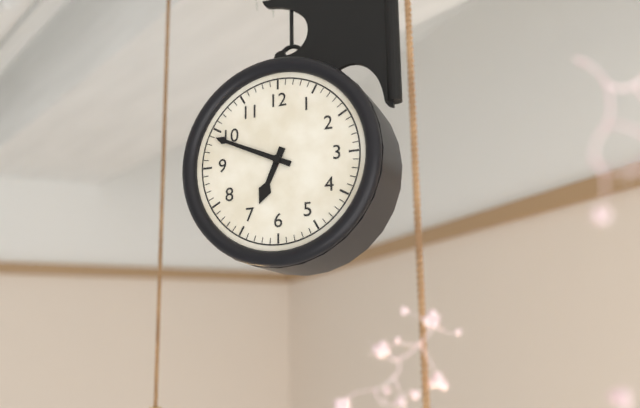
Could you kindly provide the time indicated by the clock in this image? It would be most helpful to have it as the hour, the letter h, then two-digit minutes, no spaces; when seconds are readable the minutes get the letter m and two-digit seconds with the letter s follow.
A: 6h49
